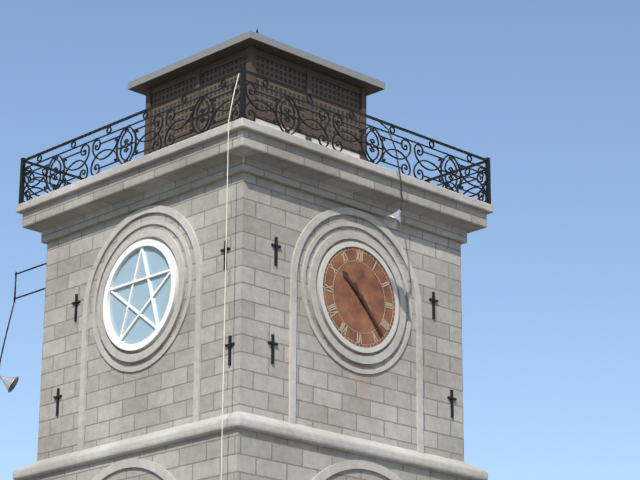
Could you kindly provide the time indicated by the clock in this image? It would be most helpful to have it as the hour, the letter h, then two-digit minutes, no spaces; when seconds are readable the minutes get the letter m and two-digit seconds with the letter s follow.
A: 10h23
